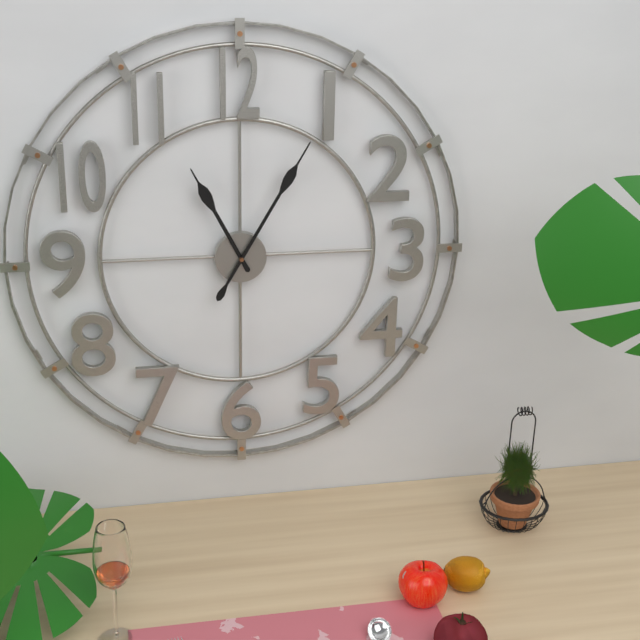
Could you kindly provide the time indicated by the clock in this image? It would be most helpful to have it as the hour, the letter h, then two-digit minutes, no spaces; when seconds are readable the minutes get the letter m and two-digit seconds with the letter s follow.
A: 11h05
